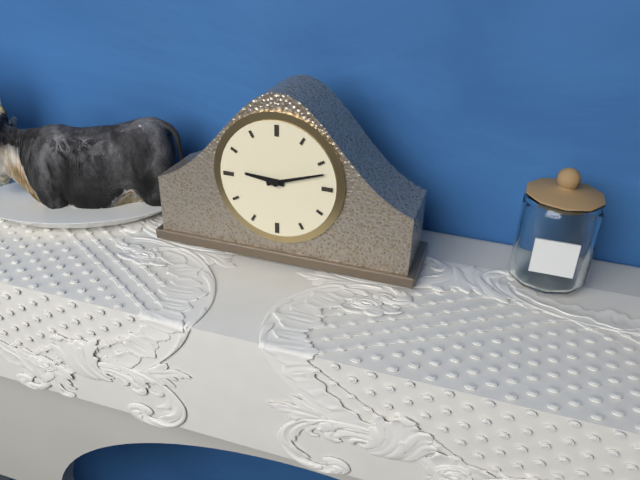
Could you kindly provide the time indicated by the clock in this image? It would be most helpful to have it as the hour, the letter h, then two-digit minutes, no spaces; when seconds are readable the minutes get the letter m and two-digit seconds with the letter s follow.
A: 9h12
